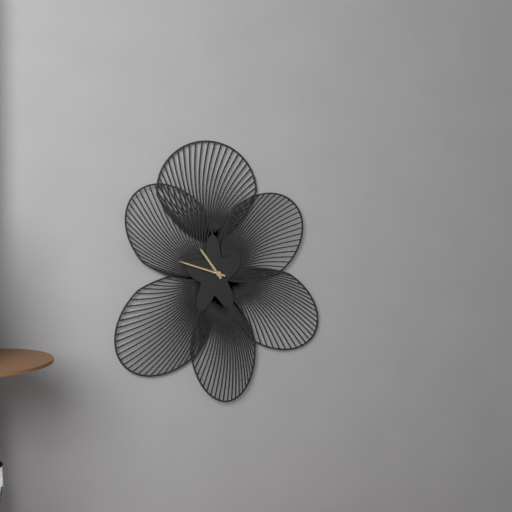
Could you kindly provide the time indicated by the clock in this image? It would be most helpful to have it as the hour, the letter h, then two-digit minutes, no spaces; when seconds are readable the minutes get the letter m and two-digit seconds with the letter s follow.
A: 10h48
